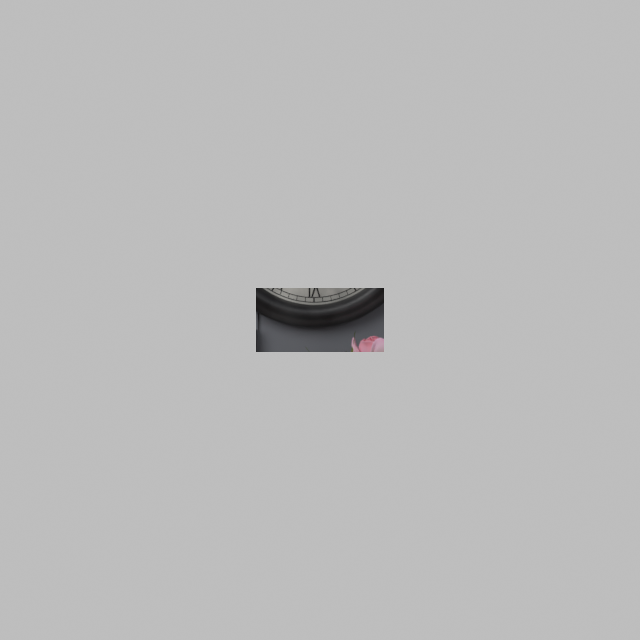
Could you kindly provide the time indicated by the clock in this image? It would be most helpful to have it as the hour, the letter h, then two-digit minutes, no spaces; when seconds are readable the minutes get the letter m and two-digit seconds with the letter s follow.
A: 7h59
